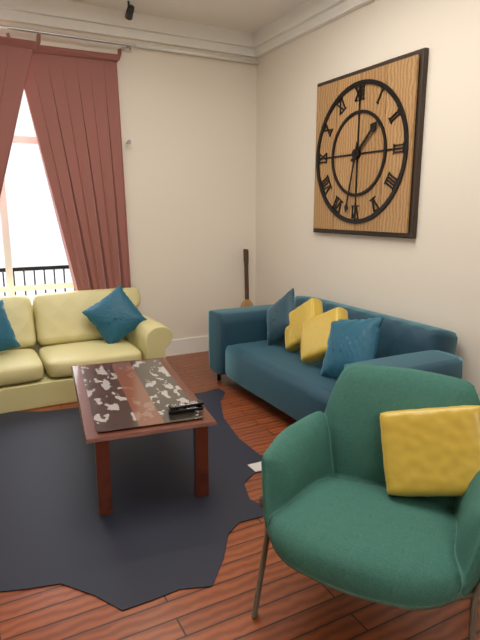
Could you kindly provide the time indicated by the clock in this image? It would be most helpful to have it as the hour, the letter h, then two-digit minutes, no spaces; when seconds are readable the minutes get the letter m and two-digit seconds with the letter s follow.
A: 1h32
